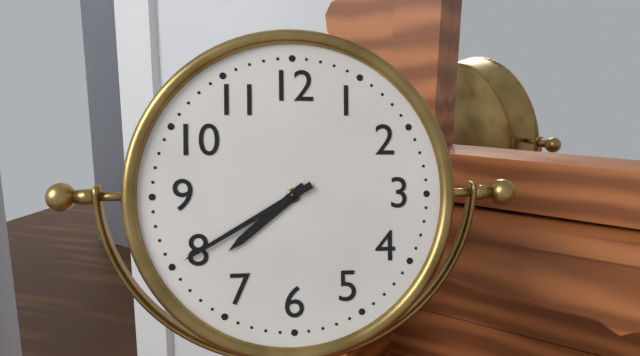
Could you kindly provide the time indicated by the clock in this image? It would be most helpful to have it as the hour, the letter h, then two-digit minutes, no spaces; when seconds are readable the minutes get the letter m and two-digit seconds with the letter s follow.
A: 7h40
